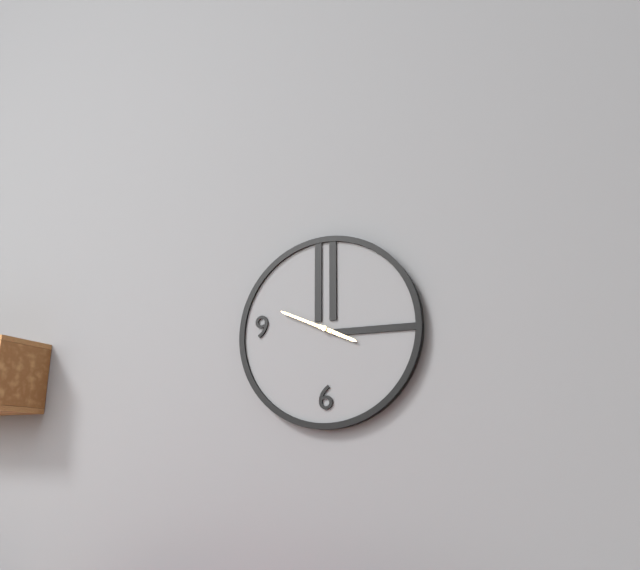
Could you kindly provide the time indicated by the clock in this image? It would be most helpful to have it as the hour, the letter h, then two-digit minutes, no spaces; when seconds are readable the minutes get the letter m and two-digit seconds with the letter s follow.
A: 3h49
